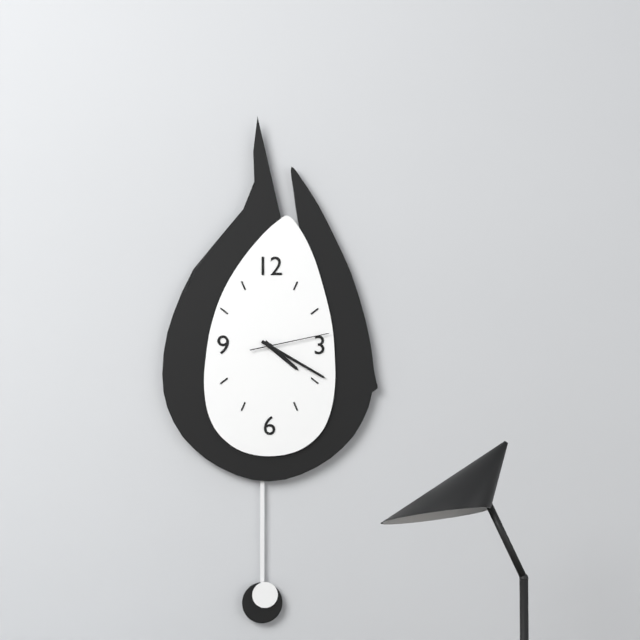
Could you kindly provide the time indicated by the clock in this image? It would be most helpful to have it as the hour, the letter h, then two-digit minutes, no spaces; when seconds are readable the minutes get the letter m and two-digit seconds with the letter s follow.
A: 4h20m13s
